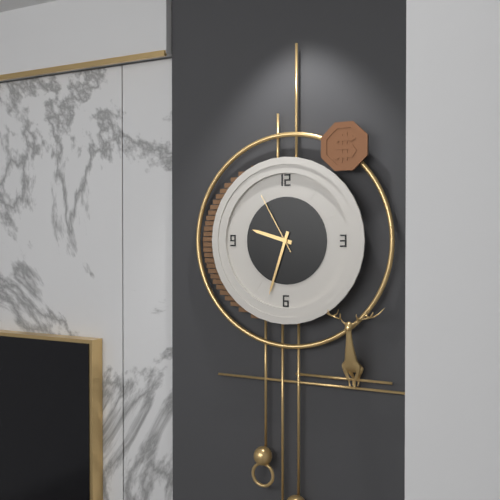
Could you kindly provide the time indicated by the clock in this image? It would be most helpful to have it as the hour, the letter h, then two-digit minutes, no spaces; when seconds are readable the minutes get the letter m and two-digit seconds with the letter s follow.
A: 9h33m55s
